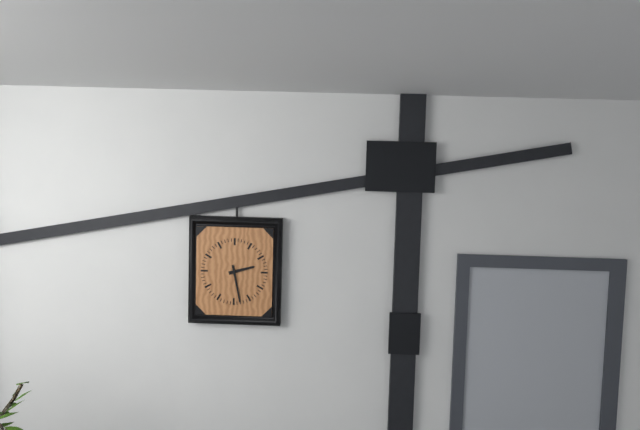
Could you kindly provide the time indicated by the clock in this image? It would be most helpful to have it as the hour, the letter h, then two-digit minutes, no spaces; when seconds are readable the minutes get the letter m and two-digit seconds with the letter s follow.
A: 2h28
